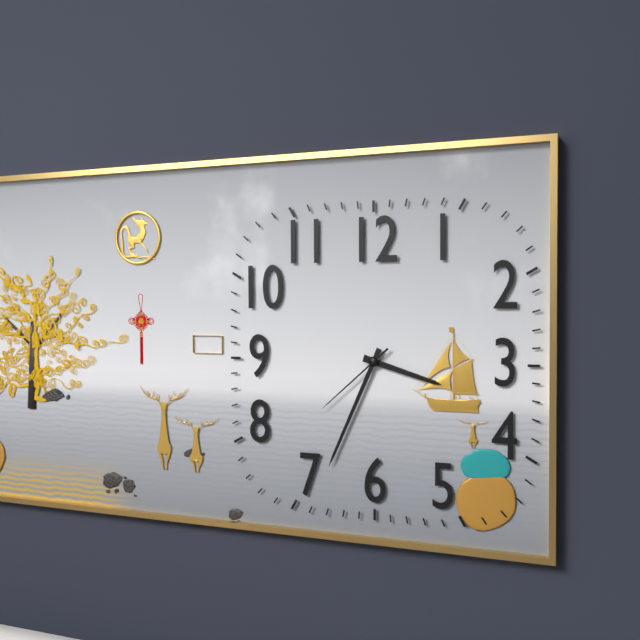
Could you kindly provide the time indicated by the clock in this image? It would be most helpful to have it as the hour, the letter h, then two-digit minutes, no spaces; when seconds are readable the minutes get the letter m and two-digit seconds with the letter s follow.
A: 3h34m38s
